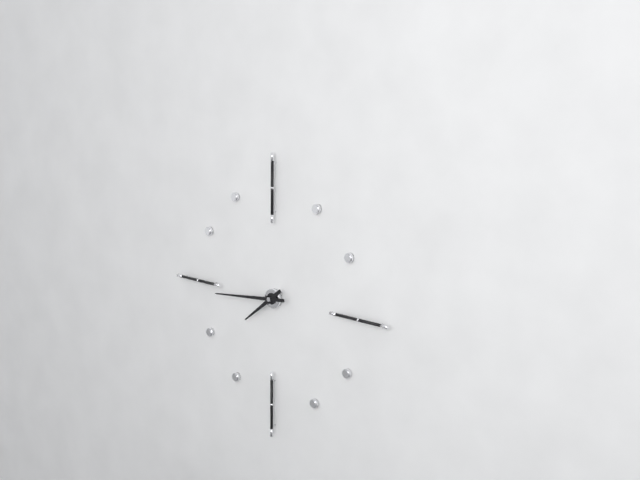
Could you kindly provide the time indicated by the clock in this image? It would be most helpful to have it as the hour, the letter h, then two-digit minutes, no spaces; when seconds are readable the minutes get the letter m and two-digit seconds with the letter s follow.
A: 7h44
